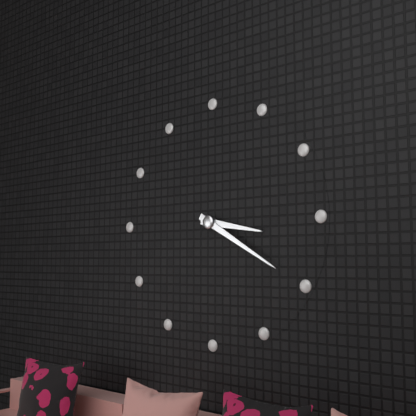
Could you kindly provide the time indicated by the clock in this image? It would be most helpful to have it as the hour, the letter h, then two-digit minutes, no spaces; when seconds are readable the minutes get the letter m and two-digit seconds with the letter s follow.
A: 3h20
